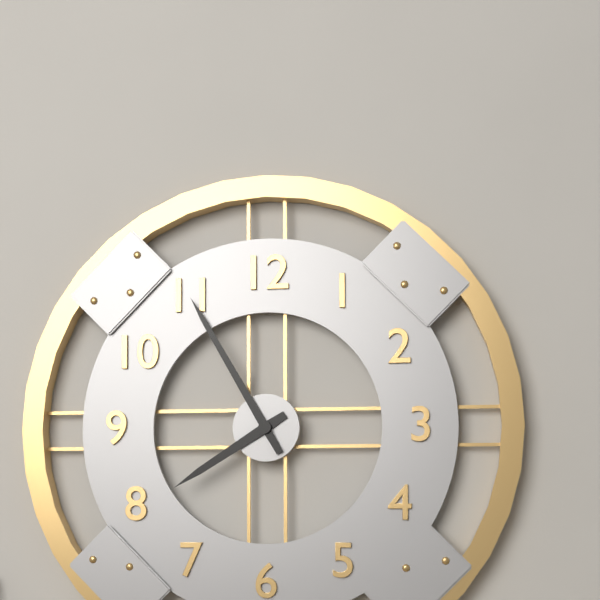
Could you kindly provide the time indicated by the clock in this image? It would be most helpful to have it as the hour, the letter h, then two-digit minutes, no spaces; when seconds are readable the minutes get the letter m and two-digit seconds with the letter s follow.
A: 7h55
